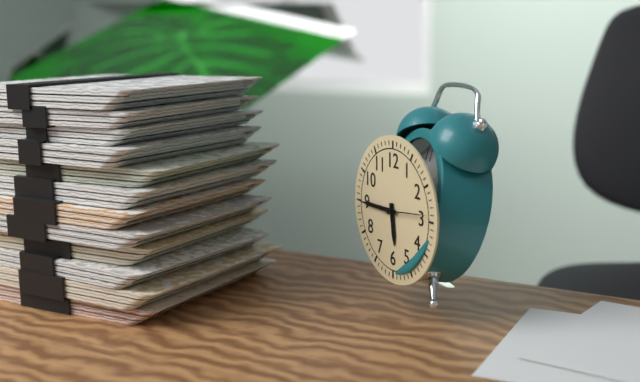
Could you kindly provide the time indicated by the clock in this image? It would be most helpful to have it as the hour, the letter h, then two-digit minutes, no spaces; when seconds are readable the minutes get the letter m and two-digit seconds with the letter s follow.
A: 5h45
